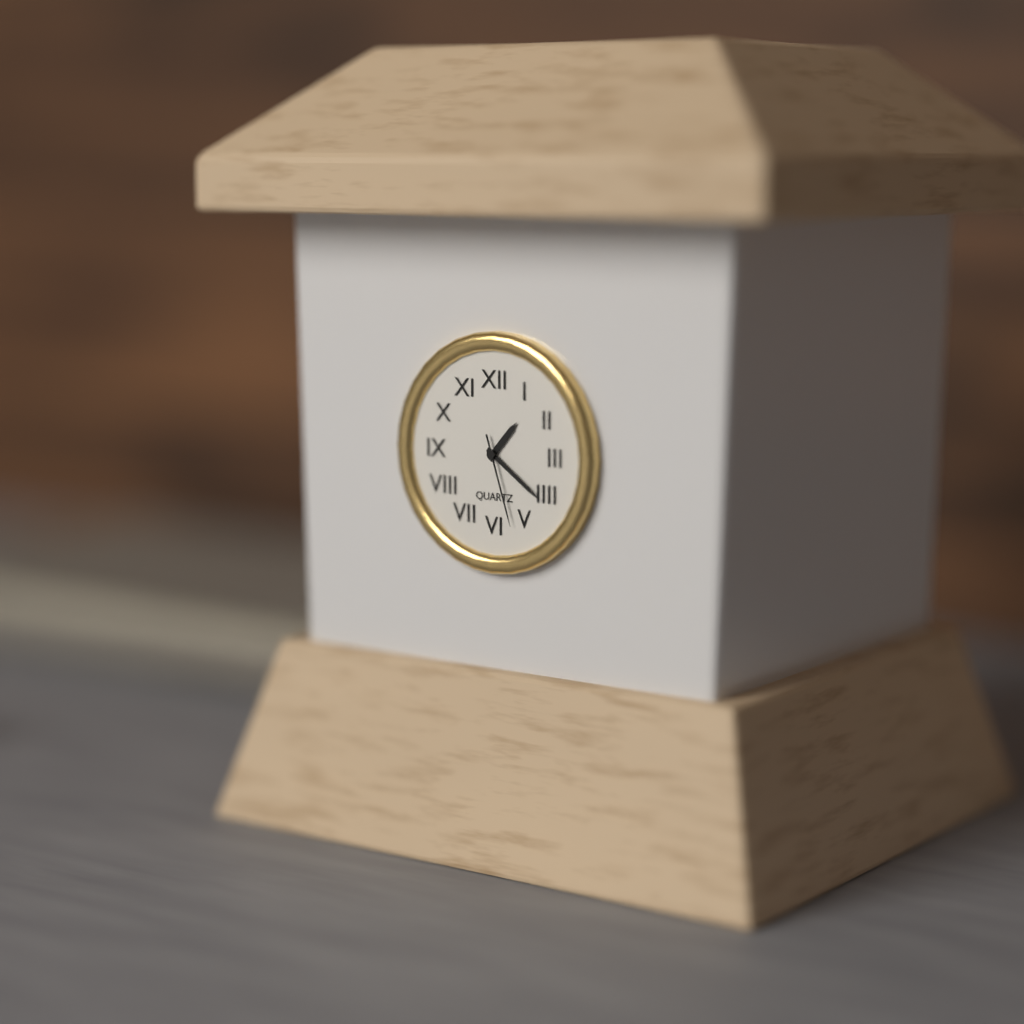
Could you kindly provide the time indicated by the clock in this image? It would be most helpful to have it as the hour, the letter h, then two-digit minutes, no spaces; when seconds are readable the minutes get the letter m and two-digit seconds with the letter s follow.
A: 1h21m27s
